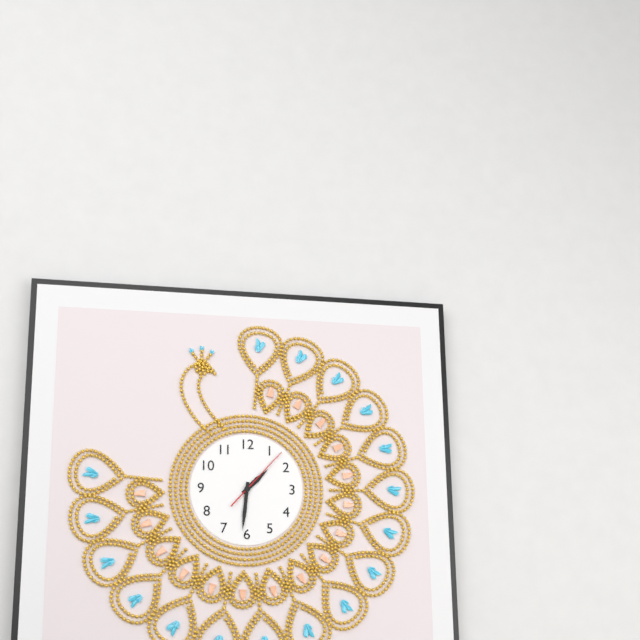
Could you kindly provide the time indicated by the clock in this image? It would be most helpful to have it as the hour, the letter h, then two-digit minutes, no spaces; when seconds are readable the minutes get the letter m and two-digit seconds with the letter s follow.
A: 1h31m07s
